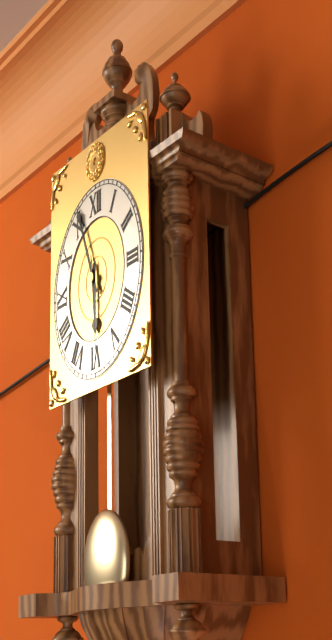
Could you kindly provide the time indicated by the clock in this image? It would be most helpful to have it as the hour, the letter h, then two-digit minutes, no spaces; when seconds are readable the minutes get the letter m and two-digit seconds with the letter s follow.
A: 5h56m29s
